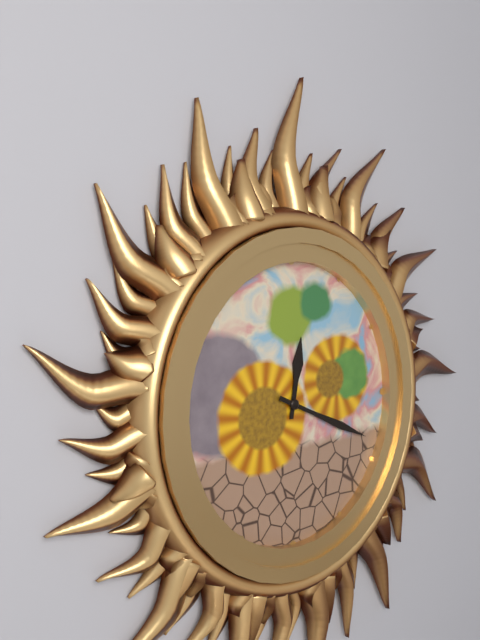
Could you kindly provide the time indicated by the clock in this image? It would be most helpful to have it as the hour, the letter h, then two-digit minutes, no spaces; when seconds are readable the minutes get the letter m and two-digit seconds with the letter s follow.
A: 12h19
